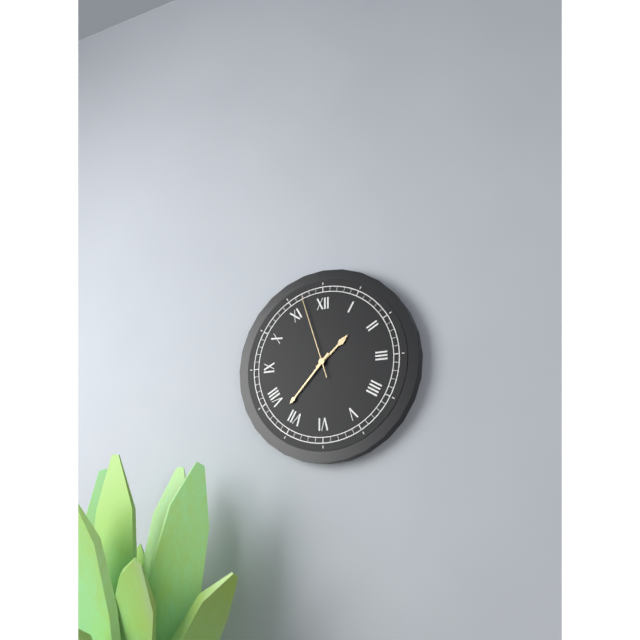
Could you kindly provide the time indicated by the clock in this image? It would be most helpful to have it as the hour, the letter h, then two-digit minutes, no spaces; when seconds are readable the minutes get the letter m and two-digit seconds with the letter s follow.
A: 1h37m57s
